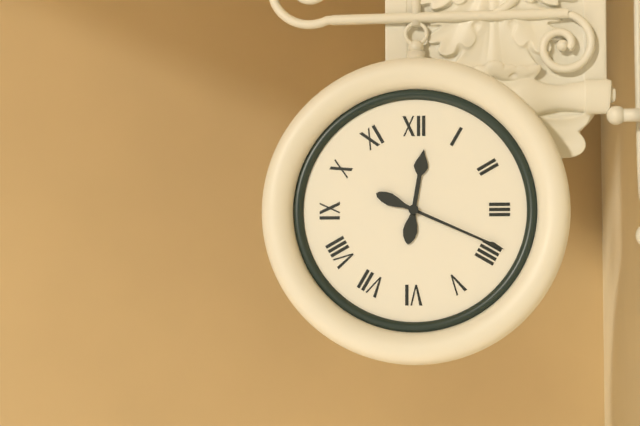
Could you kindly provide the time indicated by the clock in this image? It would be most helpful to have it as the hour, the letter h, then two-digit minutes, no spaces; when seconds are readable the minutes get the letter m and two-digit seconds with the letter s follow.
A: 12h19
